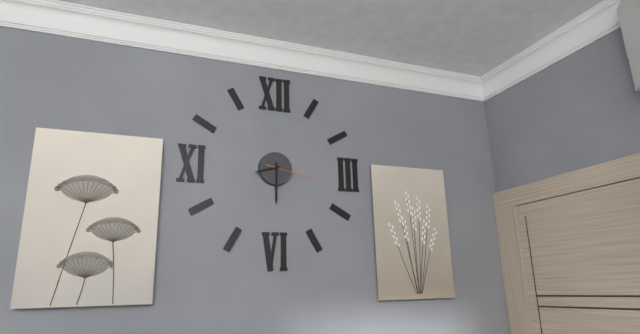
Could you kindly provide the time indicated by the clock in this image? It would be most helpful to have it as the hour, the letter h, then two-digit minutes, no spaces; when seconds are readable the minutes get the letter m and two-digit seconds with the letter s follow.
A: 8h30m17s
